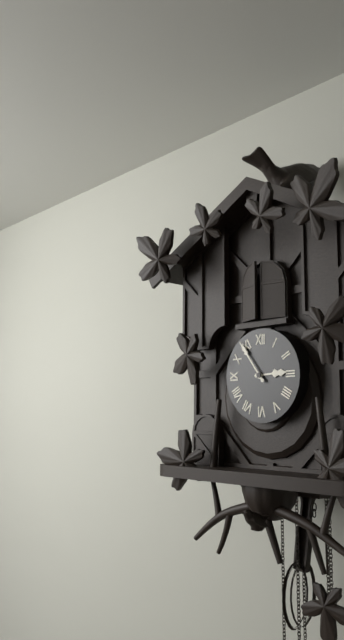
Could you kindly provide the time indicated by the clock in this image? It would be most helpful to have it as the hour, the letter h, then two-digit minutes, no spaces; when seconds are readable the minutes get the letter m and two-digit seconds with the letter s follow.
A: 2h54
